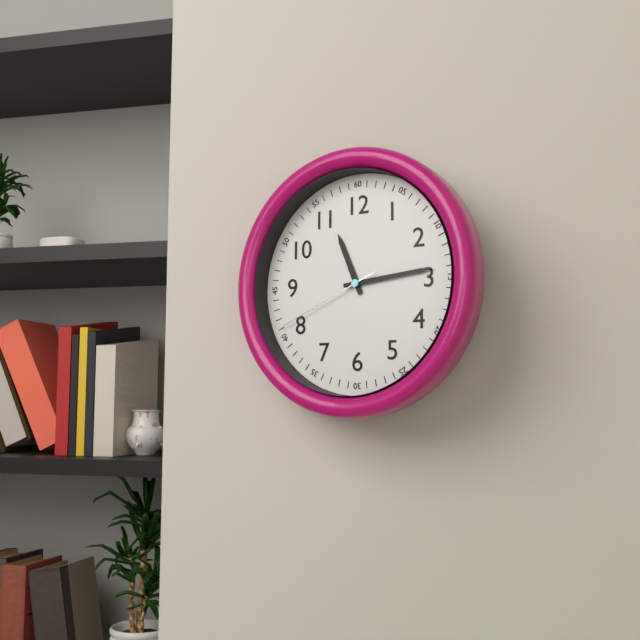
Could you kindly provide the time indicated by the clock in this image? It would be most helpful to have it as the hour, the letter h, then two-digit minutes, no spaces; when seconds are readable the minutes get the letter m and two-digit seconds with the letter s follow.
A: 11h14m41s
